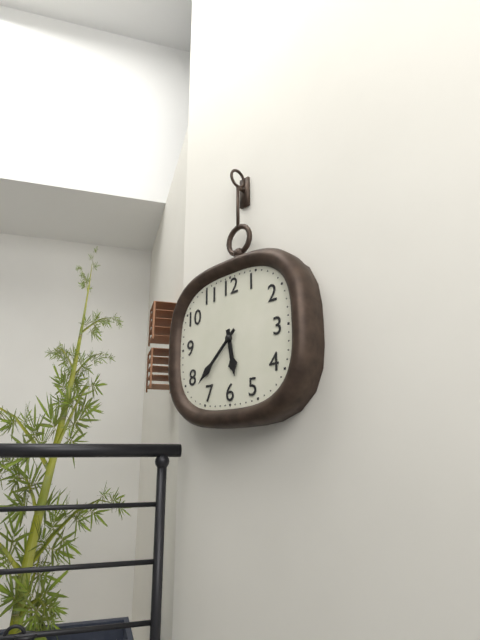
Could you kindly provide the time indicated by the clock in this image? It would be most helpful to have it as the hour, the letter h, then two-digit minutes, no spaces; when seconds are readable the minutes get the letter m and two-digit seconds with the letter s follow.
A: 5h38
